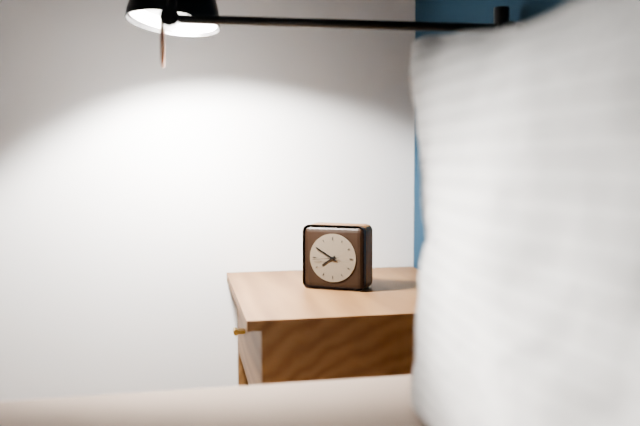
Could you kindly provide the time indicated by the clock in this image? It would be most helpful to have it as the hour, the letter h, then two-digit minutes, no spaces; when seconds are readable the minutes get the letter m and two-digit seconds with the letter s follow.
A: 7h50
